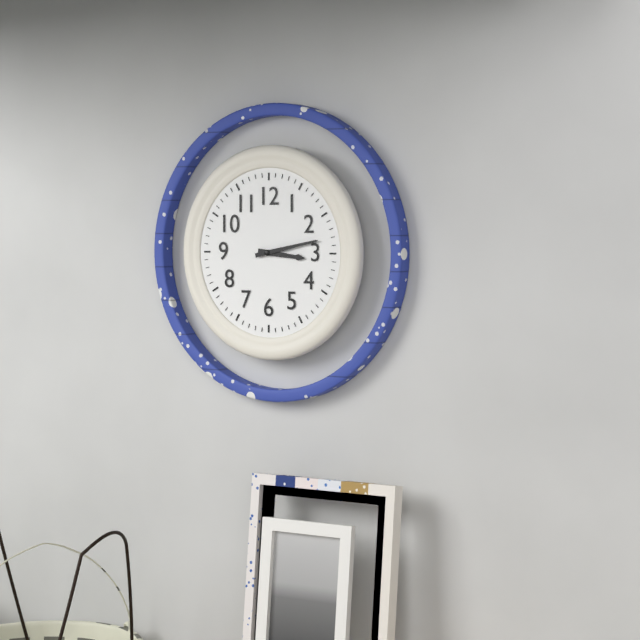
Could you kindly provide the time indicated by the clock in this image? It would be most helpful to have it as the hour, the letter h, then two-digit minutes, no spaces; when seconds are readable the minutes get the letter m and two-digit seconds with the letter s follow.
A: 3h13
